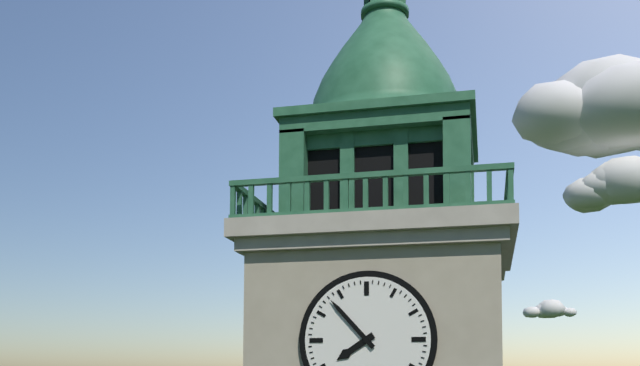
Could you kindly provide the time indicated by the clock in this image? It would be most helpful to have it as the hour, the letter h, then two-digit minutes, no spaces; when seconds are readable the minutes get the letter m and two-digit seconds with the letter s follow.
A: 7h53
